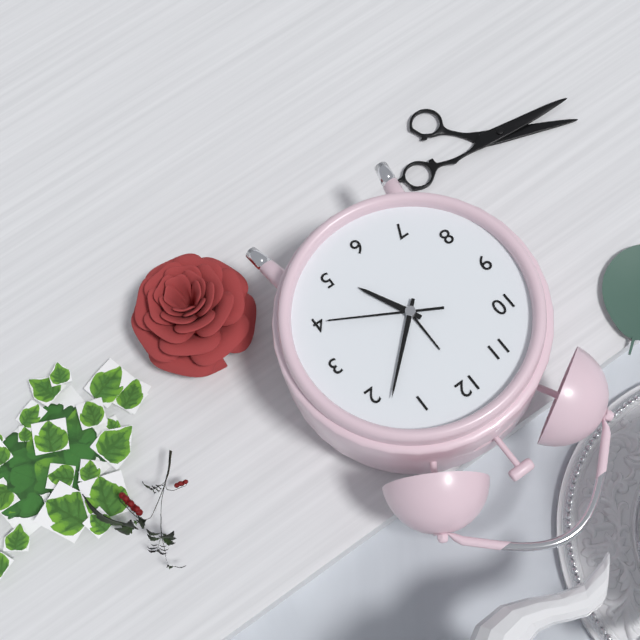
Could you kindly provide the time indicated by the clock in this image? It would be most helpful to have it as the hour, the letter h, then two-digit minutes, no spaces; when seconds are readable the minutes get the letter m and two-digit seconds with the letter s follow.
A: 5h08m20s
